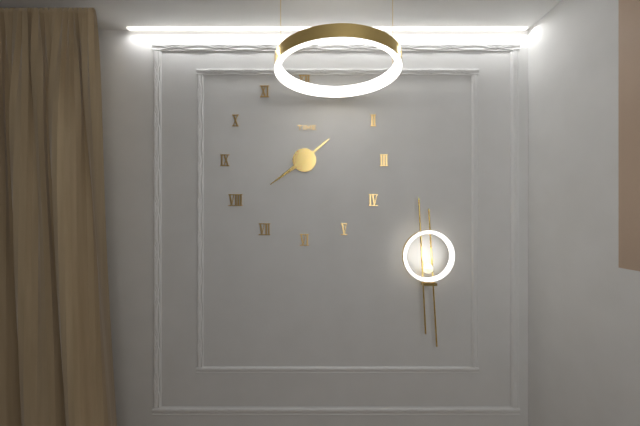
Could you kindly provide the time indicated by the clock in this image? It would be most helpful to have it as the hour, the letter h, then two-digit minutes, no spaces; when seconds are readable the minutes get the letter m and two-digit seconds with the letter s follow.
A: 1h39
